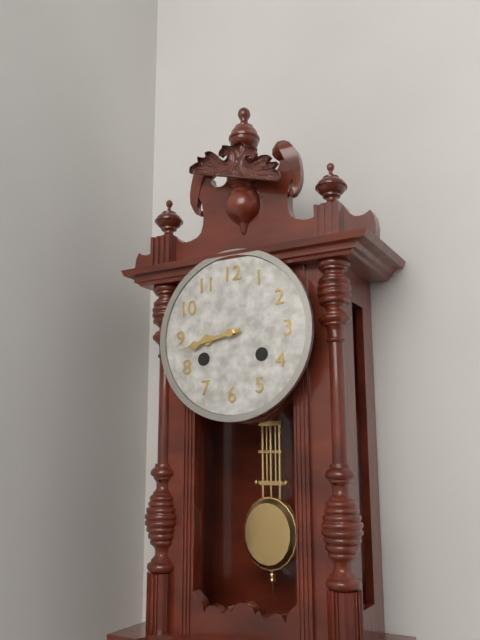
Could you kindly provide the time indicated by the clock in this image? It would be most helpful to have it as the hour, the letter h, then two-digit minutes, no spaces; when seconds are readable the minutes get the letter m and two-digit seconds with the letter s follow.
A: 8h43
